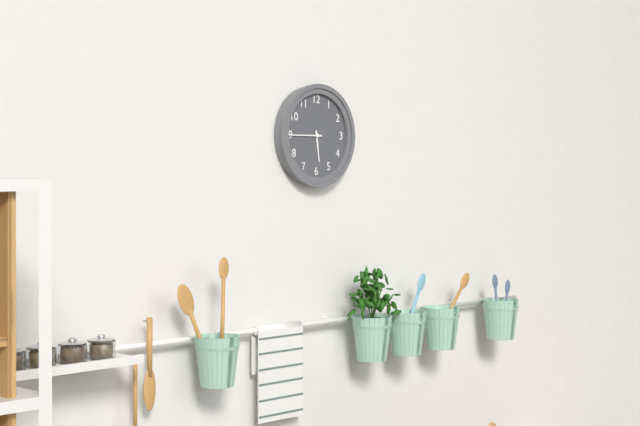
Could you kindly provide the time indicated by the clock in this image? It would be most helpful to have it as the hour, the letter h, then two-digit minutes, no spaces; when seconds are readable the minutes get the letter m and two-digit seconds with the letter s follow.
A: 5h45
